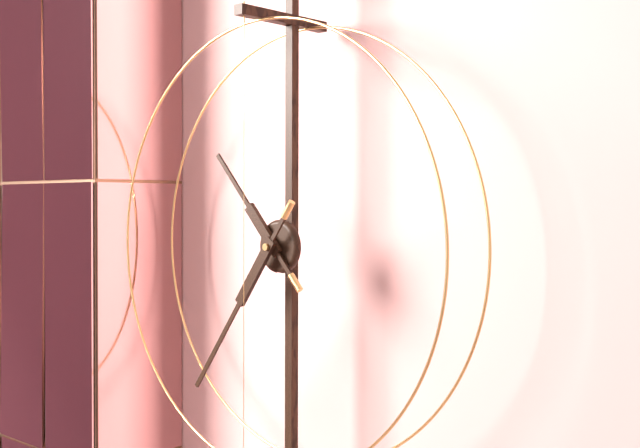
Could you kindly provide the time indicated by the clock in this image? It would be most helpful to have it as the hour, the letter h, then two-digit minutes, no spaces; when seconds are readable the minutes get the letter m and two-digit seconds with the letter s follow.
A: 10h36
